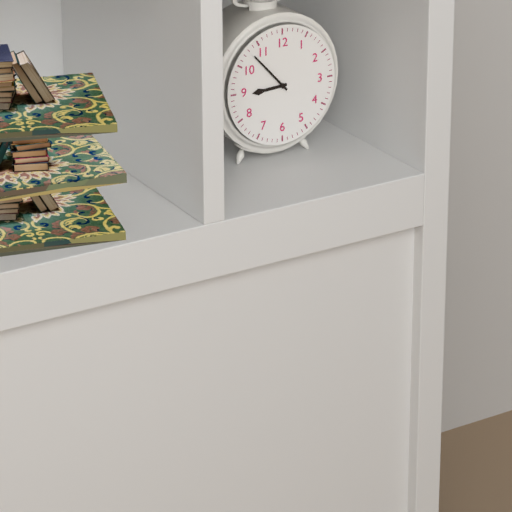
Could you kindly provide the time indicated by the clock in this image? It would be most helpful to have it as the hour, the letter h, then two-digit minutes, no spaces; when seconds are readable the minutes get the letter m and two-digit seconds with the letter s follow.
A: 8h53
